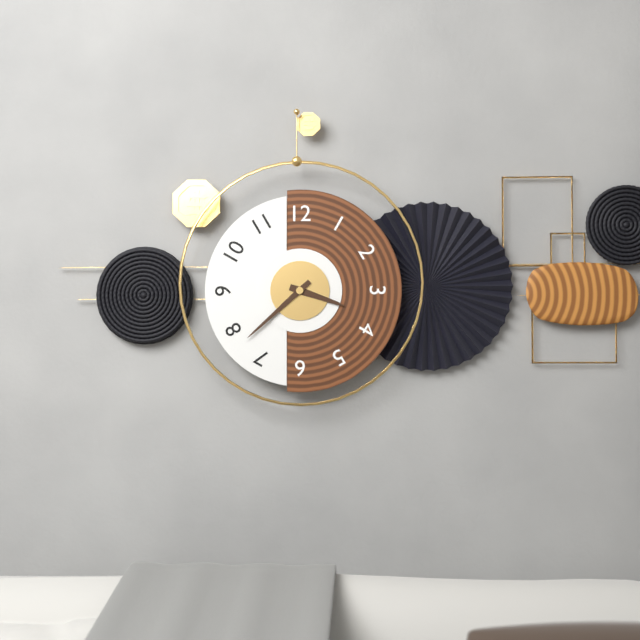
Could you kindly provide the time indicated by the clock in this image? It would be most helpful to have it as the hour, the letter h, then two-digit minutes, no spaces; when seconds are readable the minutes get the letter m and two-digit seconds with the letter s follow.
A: 3h38
